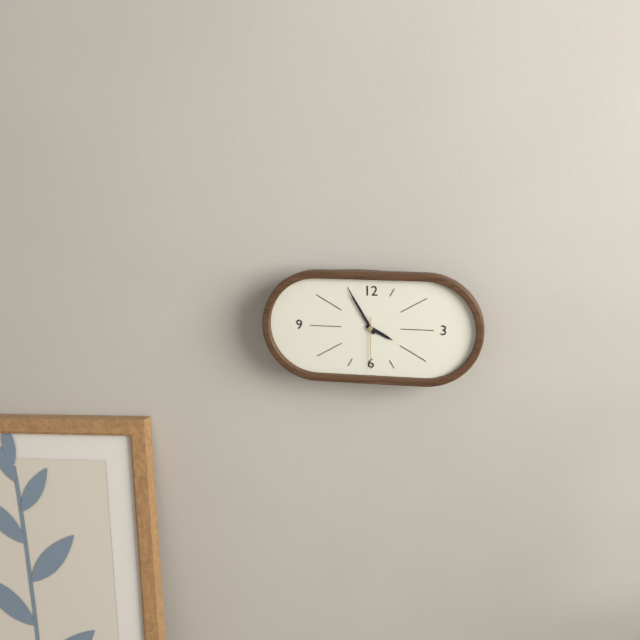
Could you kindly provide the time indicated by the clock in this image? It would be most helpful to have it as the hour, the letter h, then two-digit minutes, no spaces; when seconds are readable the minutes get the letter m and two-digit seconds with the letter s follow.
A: 3h55m30s
